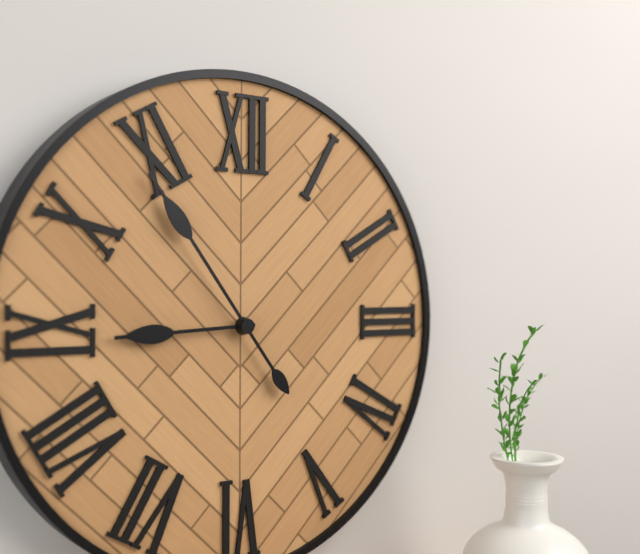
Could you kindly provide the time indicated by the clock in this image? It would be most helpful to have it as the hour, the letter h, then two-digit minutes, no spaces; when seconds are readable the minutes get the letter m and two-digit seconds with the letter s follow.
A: 8h54
